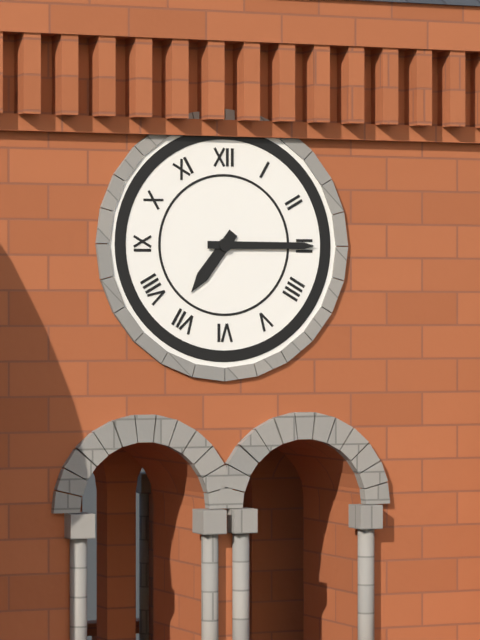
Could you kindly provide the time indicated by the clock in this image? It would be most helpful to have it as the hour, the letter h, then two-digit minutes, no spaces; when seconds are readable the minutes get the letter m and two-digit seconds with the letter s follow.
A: 7h15
